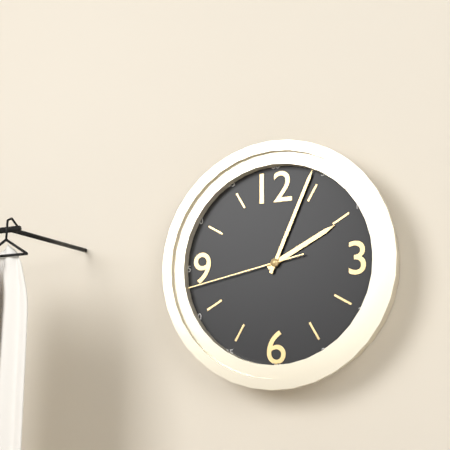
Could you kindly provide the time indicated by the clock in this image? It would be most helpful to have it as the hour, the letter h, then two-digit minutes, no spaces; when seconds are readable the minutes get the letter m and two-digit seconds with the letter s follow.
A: 2h04m43s
